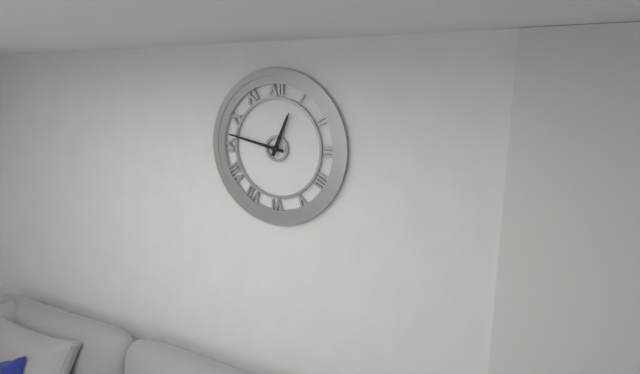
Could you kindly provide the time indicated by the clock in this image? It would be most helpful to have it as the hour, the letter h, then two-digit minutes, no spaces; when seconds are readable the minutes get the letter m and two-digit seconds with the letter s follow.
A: 12h47
